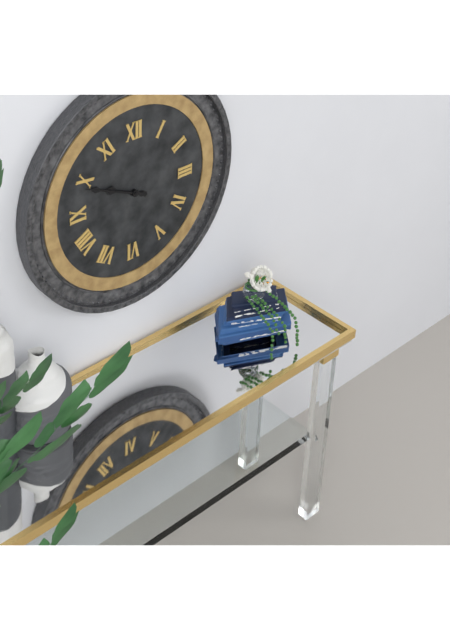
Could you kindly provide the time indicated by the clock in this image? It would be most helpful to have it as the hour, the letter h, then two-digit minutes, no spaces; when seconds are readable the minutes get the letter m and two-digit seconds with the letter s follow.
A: 9h49
